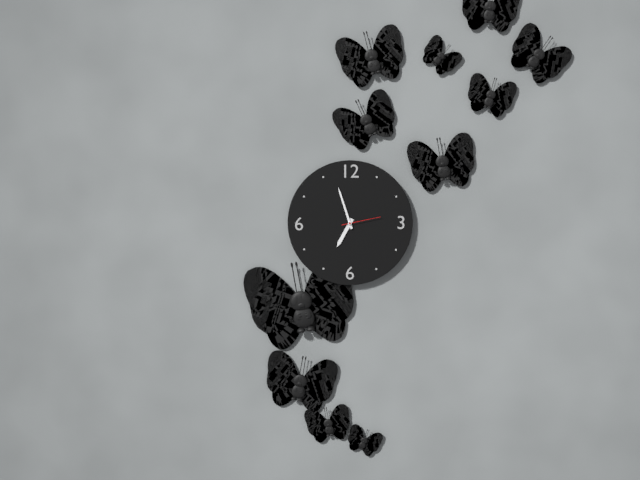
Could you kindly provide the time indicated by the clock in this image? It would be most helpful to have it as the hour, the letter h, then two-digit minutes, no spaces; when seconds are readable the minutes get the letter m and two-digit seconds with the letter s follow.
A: 6h57
